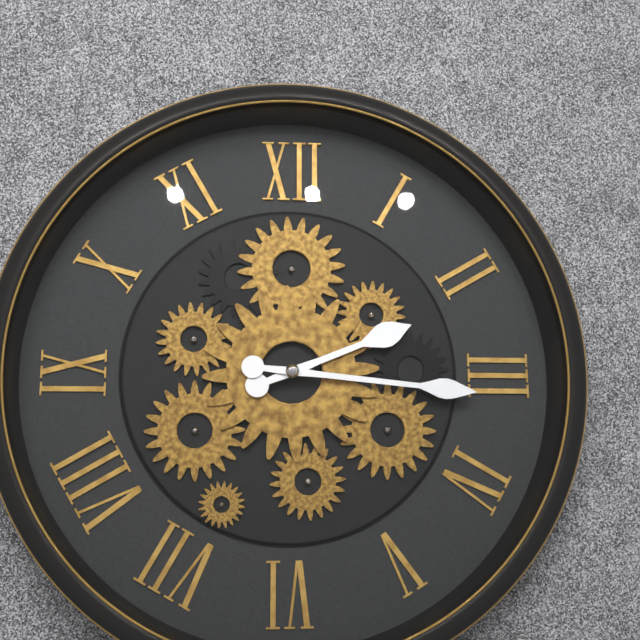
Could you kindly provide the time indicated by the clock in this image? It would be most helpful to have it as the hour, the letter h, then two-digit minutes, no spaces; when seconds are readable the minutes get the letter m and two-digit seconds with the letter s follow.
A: 2h16
